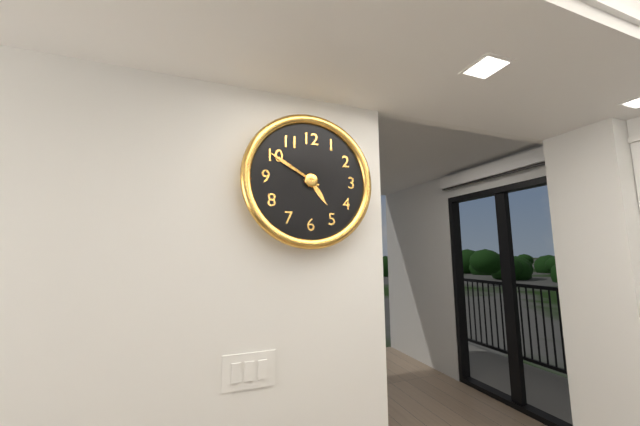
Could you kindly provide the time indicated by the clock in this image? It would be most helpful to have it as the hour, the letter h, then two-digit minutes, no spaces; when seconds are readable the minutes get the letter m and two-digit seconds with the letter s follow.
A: 4h50
